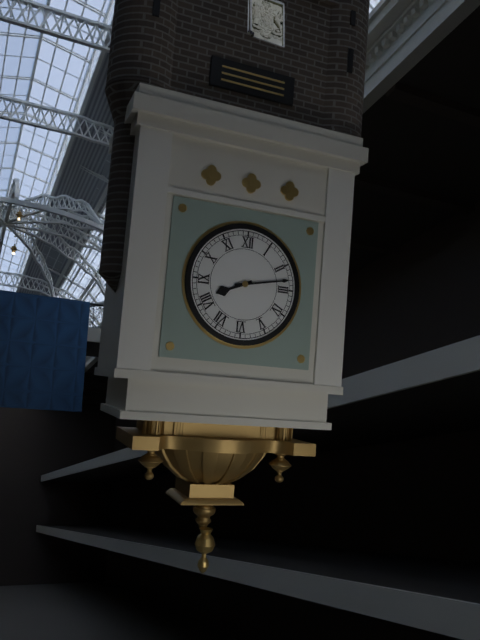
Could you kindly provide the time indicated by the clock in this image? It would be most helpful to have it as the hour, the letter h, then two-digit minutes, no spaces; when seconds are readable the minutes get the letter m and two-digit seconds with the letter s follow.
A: 8h13
